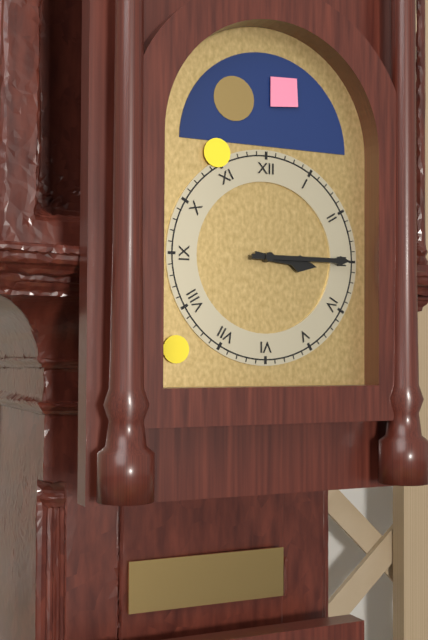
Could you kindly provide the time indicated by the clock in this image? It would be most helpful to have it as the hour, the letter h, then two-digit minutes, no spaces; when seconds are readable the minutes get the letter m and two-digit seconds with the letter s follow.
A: 3h15
